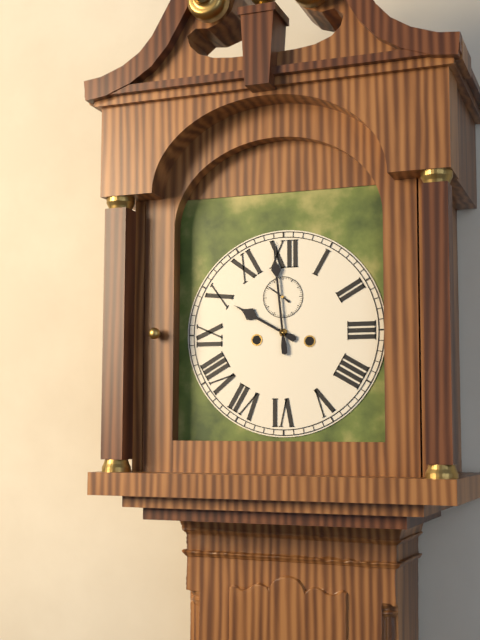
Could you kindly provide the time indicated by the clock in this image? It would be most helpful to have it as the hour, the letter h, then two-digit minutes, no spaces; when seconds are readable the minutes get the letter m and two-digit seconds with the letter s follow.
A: 9h59
